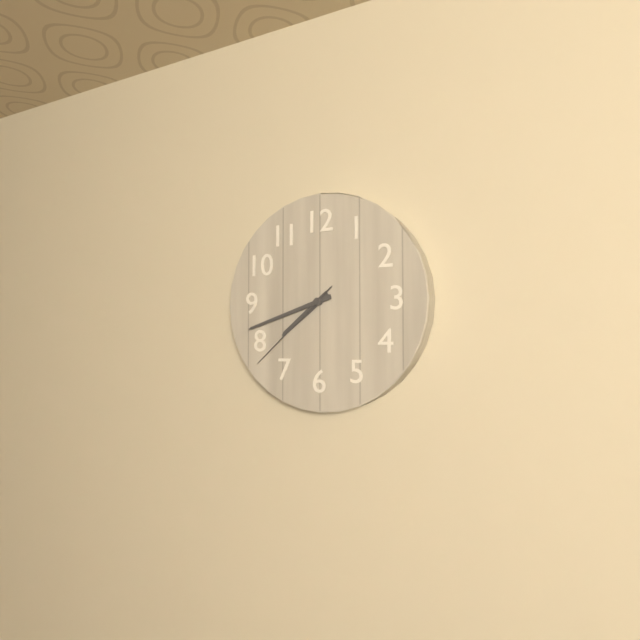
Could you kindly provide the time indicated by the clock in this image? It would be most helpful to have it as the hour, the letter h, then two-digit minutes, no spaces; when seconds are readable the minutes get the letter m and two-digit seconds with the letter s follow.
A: 7h42m38s
